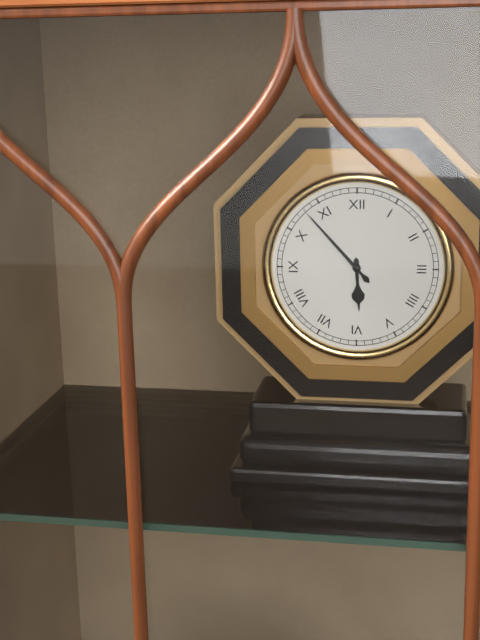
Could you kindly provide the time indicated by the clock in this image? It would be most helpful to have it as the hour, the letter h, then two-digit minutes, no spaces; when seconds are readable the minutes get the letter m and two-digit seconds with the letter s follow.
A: 5h53
